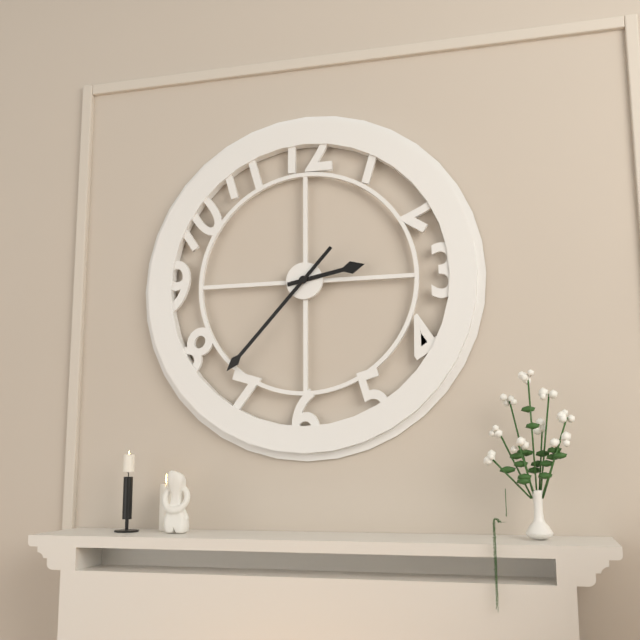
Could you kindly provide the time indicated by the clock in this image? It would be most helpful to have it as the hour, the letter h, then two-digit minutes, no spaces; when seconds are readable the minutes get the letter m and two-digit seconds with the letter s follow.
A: 2h37
